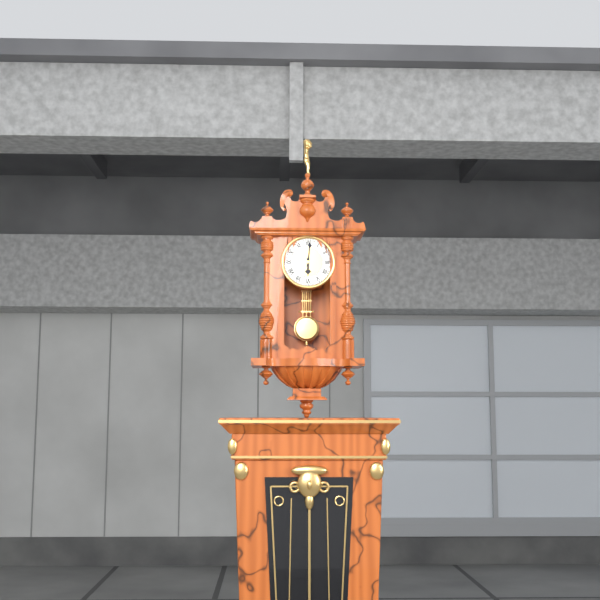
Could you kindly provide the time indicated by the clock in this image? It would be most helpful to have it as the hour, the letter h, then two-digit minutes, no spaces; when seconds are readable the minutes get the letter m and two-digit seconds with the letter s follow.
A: 6h01
